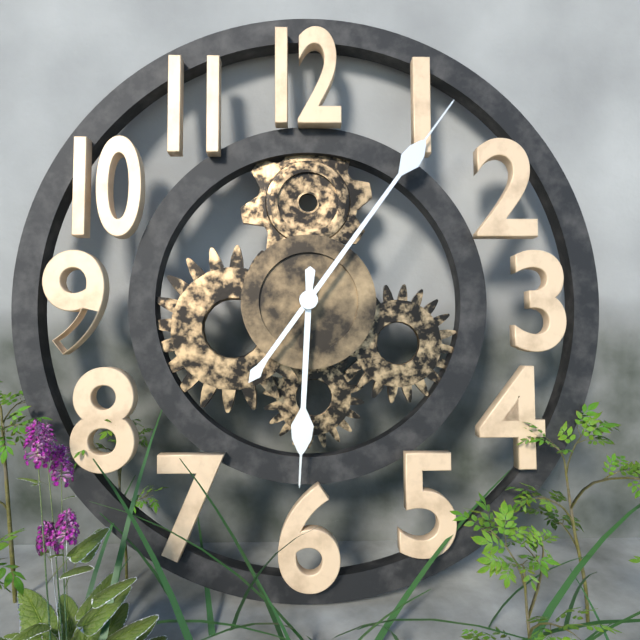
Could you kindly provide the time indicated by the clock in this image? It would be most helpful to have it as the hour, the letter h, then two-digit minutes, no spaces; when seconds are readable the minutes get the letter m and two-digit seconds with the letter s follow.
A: 6h06
